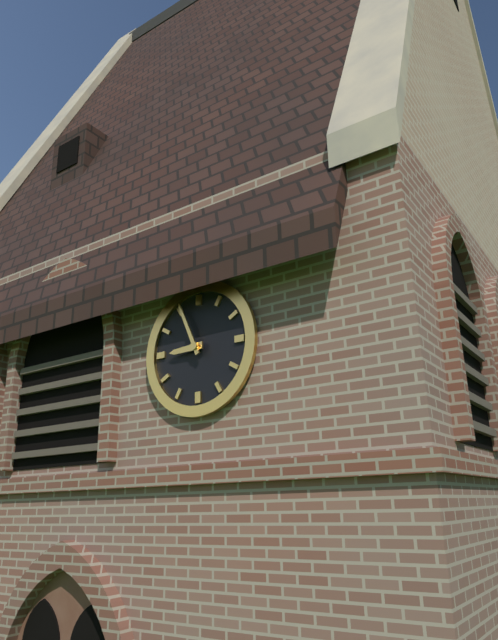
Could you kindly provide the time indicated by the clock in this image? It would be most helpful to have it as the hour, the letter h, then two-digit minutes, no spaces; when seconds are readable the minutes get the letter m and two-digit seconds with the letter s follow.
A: 8h56
